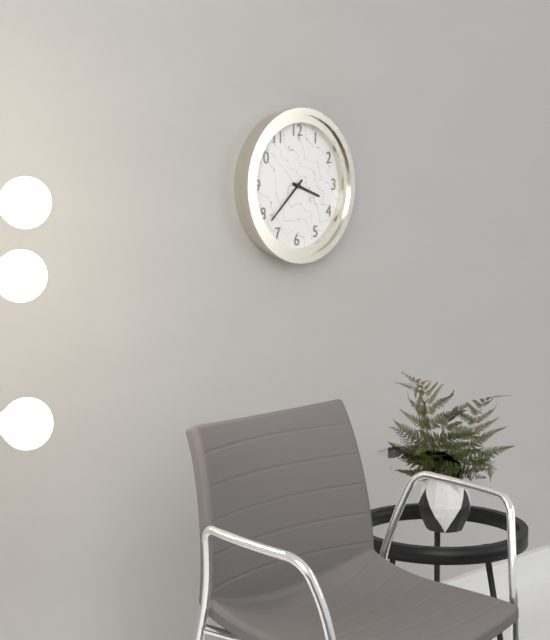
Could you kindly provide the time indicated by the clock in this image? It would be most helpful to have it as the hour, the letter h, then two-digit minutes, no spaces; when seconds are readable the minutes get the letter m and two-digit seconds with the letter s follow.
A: 3h38
